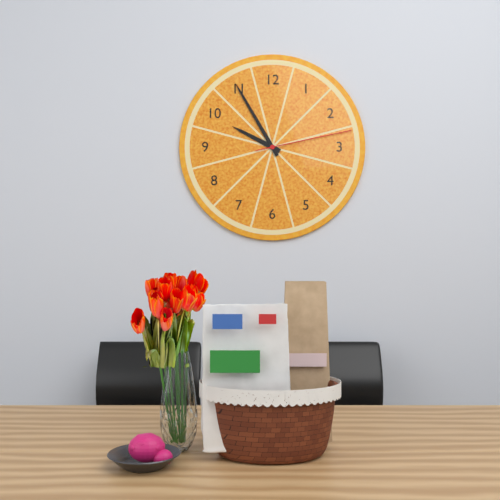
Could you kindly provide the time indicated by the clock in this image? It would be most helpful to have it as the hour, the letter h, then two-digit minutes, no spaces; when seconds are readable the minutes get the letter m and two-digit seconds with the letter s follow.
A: 9h55m13s
